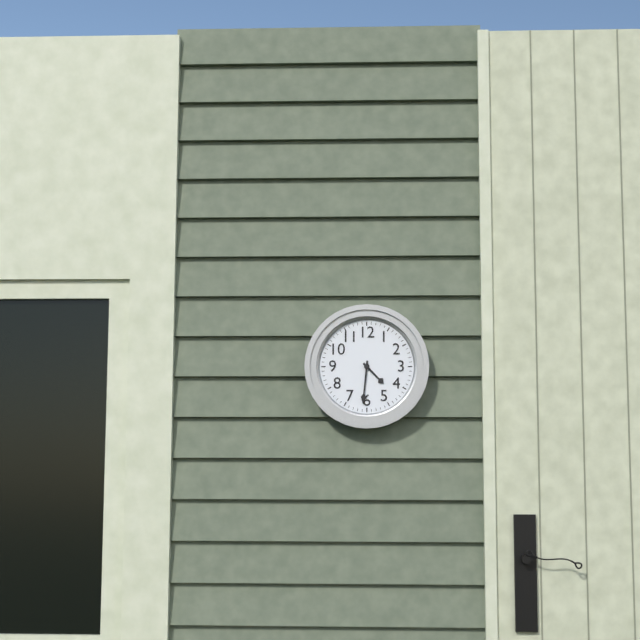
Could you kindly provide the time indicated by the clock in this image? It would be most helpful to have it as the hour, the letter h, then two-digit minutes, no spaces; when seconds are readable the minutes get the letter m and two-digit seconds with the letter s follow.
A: 4h31
